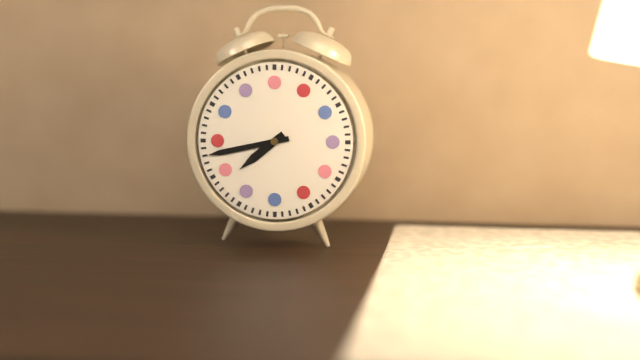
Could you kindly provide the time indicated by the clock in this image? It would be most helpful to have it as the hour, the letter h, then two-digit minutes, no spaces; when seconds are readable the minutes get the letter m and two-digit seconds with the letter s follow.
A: 7h43
